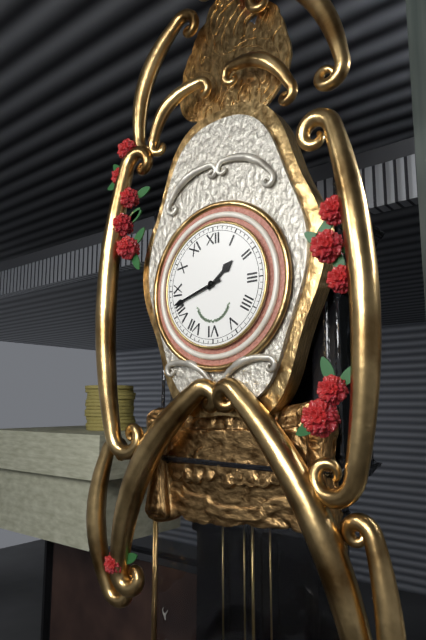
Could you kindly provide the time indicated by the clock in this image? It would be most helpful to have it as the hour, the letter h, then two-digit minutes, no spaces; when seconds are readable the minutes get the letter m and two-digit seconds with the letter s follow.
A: 1h42
